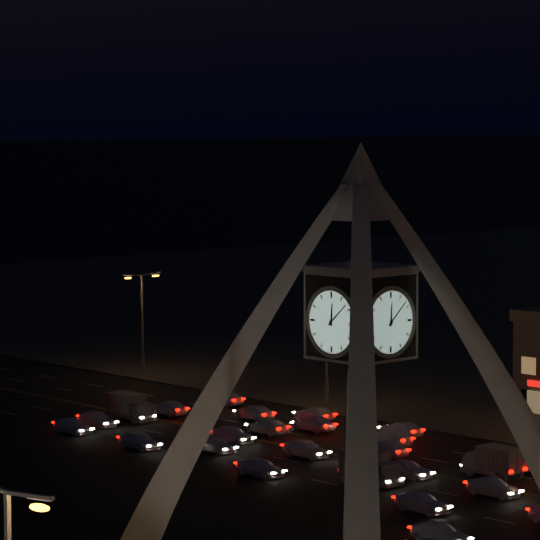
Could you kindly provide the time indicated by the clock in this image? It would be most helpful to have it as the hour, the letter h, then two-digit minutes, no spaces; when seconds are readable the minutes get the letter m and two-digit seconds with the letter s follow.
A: 12h08
